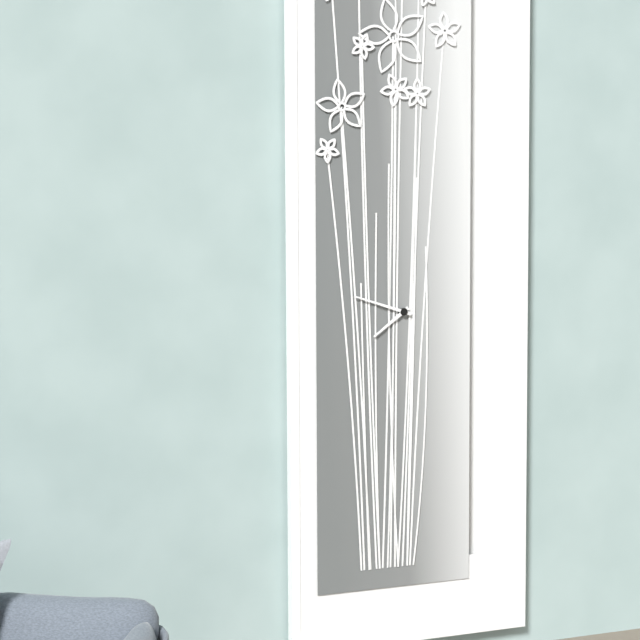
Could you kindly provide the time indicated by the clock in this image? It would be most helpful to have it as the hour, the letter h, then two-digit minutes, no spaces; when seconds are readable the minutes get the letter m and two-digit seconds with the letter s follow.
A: 7h48
